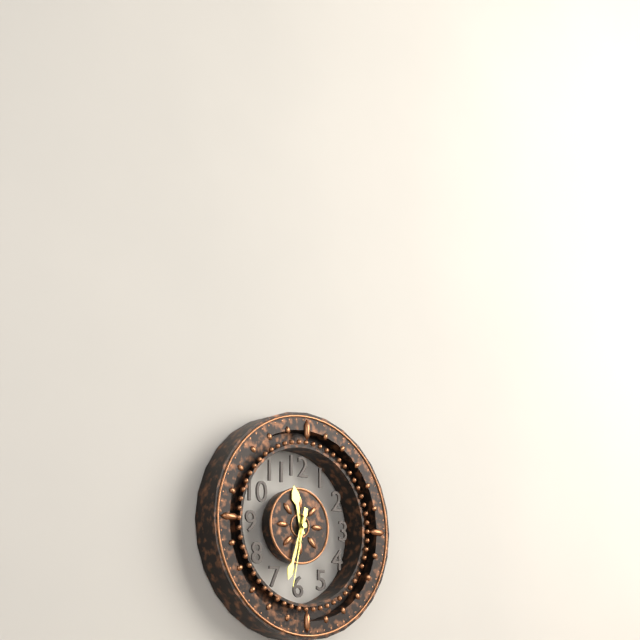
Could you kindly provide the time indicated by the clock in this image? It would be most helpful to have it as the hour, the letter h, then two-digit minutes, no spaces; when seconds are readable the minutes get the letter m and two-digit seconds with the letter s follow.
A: 11h33m32s
